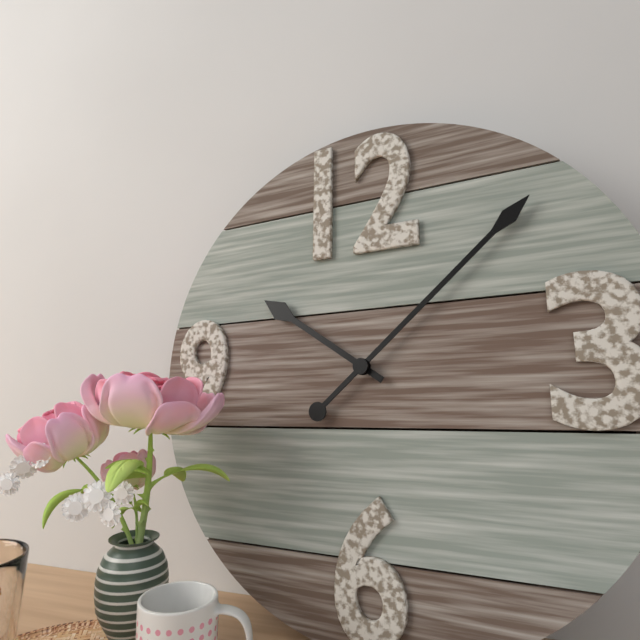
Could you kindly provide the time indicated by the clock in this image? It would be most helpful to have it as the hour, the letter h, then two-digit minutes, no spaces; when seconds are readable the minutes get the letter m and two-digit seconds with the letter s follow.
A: 10h08
